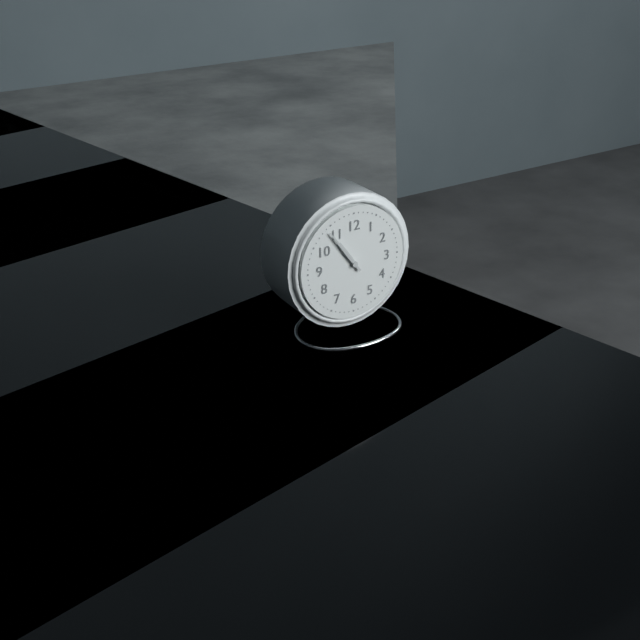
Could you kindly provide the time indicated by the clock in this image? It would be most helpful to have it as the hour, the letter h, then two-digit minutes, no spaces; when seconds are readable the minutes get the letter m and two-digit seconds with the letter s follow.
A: 10h54
